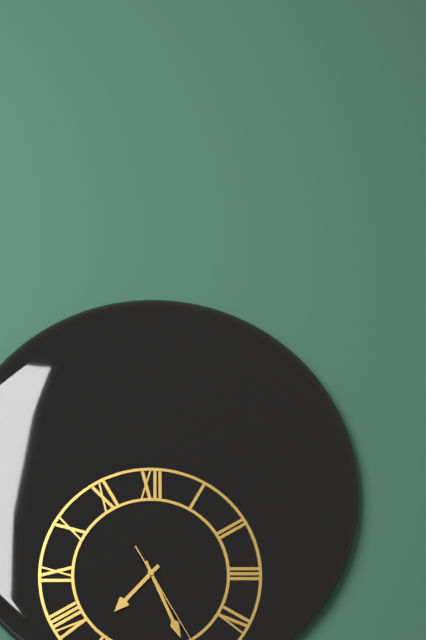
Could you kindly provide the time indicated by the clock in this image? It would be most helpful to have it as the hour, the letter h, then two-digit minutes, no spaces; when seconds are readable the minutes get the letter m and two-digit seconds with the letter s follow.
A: 7h26m25s
